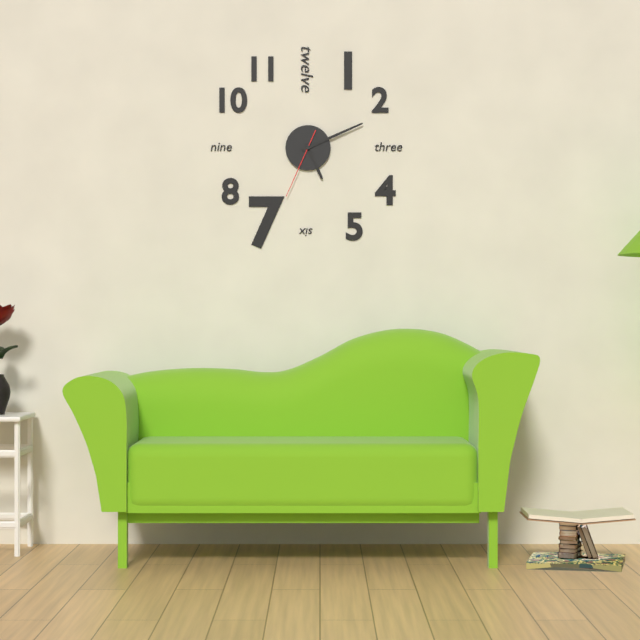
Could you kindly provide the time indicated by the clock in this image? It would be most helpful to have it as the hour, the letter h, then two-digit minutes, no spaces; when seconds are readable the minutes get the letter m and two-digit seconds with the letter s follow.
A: 5h11m34s
